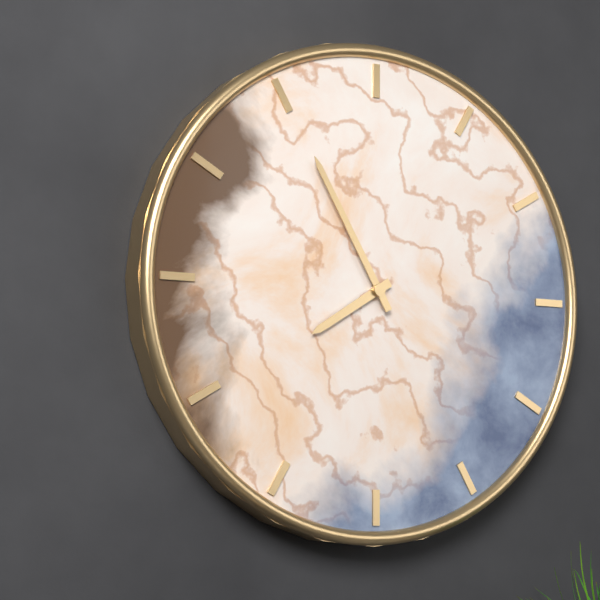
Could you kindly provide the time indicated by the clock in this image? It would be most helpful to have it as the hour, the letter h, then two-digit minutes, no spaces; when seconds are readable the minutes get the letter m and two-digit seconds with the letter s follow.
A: 7h55
